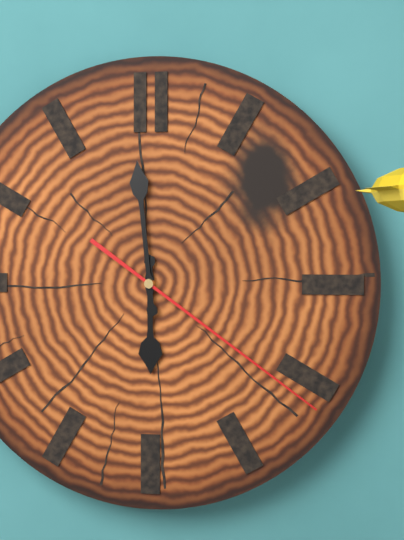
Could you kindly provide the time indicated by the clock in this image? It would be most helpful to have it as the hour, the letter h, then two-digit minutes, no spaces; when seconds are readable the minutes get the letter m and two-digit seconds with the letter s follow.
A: 5h59m21s
